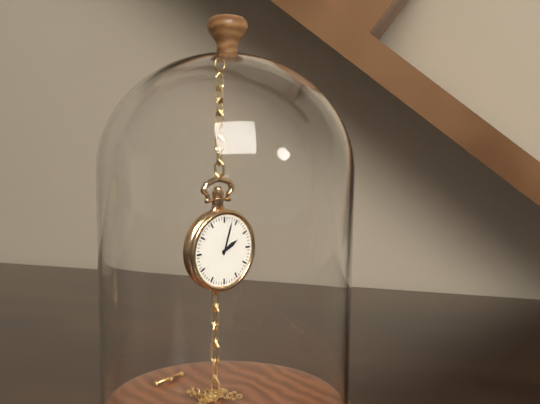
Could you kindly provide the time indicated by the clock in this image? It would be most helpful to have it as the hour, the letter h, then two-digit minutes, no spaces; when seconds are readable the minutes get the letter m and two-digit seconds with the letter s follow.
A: 2h03
